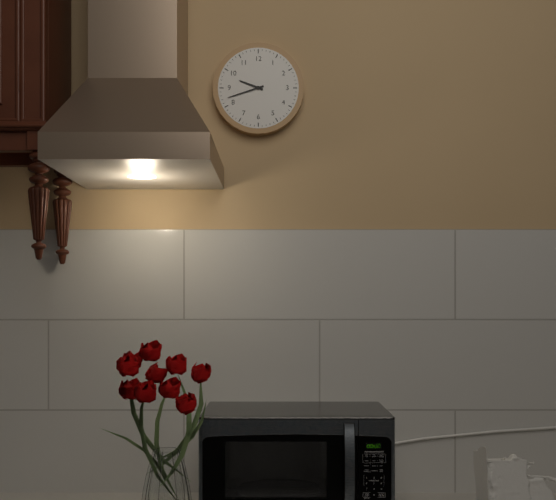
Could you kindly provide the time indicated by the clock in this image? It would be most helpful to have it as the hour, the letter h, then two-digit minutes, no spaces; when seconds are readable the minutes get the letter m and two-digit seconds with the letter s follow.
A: 9h42
